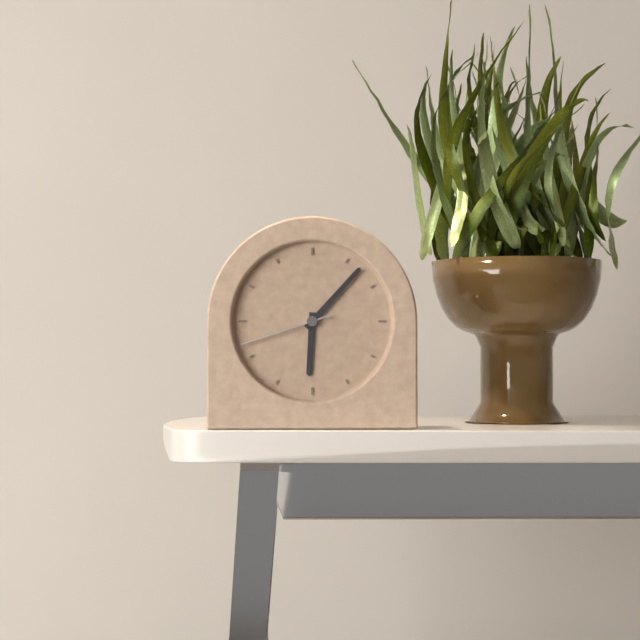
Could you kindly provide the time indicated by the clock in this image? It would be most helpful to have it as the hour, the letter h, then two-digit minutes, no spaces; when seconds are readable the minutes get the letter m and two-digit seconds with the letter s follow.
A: 6h07m42s
